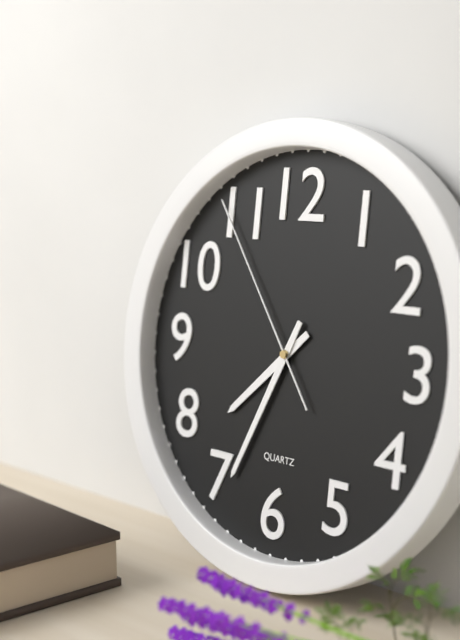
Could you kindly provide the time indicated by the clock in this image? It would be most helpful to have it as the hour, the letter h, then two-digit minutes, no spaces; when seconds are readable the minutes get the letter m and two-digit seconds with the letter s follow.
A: 7h34m54s
